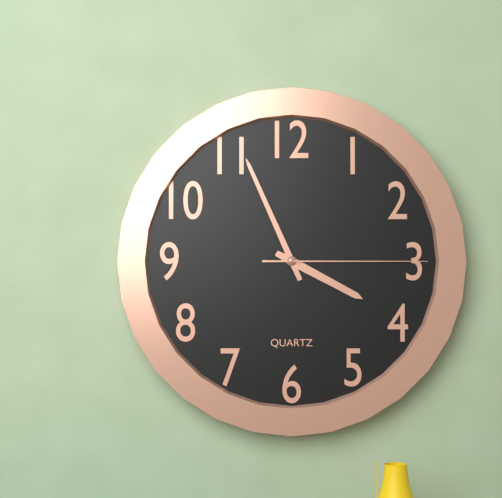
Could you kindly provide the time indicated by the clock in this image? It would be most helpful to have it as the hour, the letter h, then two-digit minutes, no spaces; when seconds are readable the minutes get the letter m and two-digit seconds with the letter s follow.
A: 3h56m15s
